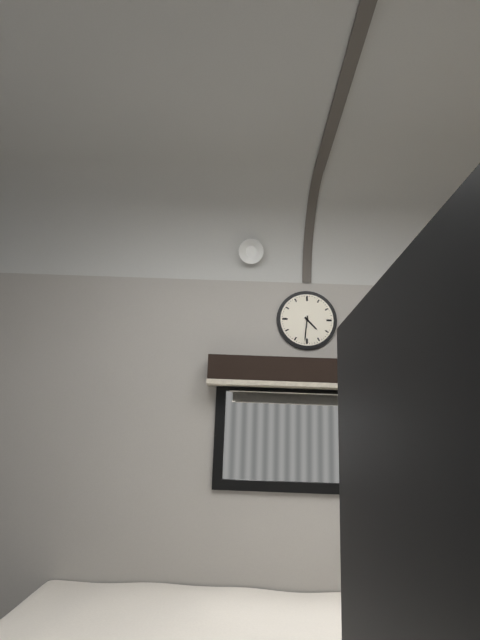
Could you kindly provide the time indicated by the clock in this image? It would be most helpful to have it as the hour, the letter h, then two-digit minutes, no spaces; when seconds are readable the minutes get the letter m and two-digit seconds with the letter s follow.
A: 4h31
